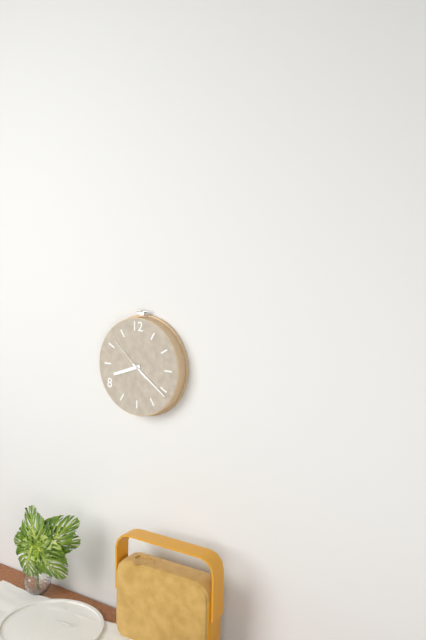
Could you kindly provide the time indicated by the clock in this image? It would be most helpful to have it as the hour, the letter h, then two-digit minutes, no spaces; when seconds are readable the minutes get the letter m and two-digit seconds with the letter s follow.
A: 8h21
